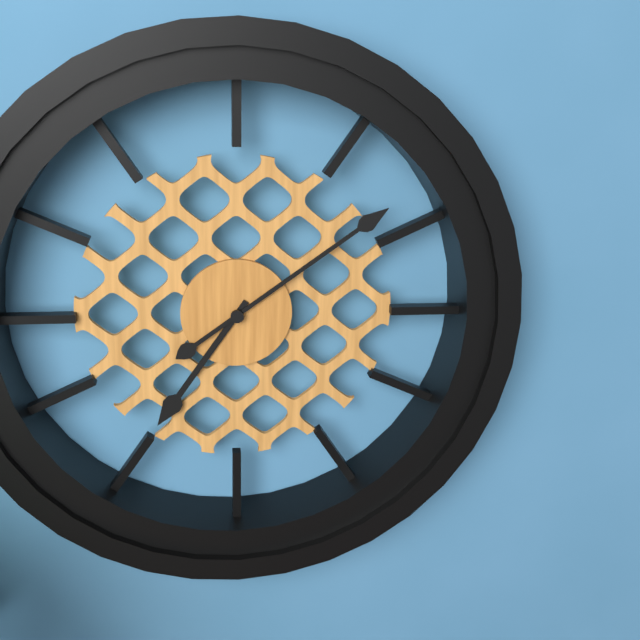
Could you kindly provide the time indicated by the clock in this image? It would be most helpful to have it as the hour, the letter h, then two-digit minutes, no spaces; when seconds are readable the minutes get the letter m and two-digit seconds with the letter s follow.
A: 7h09
